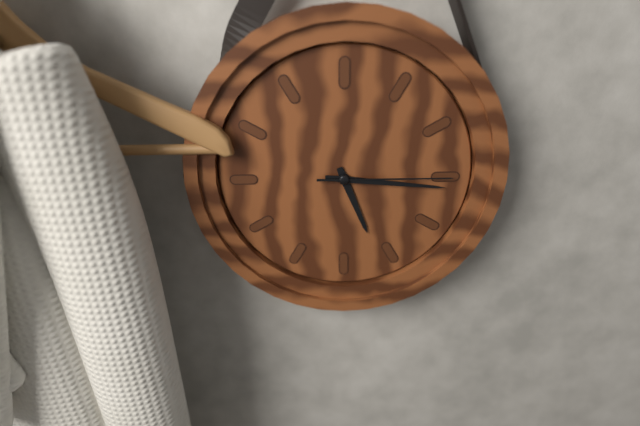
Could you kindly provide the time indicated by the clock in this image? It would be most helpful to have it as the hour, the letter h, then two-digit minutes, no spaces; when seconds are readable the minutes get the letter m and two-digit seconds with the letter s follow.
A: 5h16m15s
